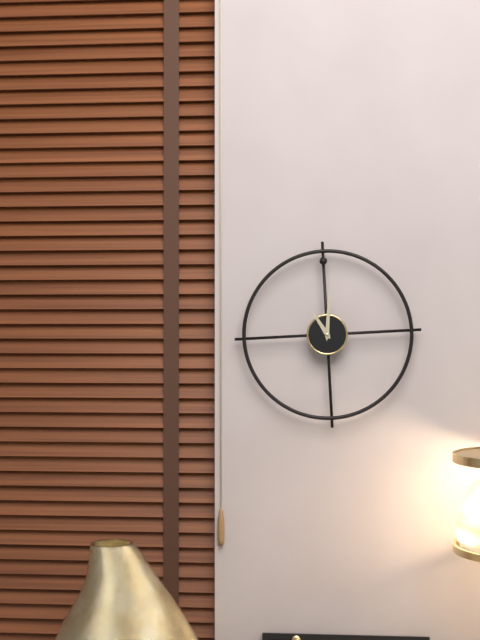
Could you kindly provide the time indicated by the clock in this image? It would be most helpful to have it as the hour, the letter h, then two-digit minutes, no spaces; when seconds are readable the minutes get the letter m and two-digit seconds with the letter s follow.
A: 11h01
